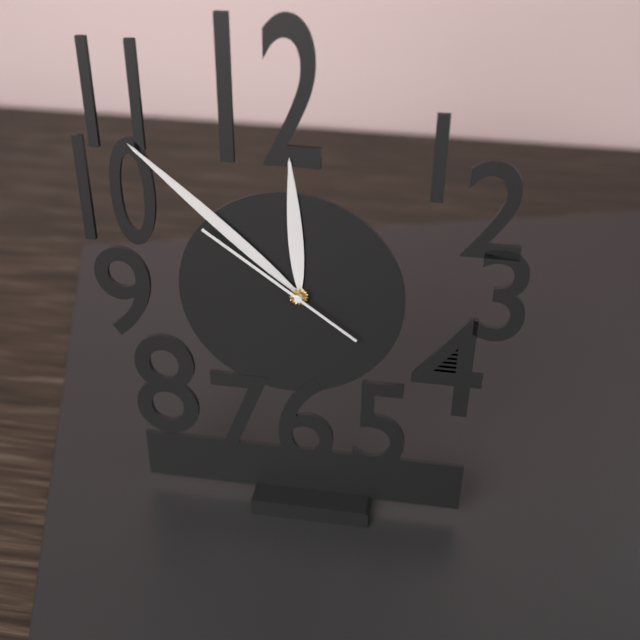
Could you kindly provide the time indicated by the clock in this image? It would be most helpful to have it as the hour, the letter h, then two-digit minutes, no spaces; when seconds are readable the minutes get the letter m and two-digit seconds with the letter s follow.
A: 11h52m51s
